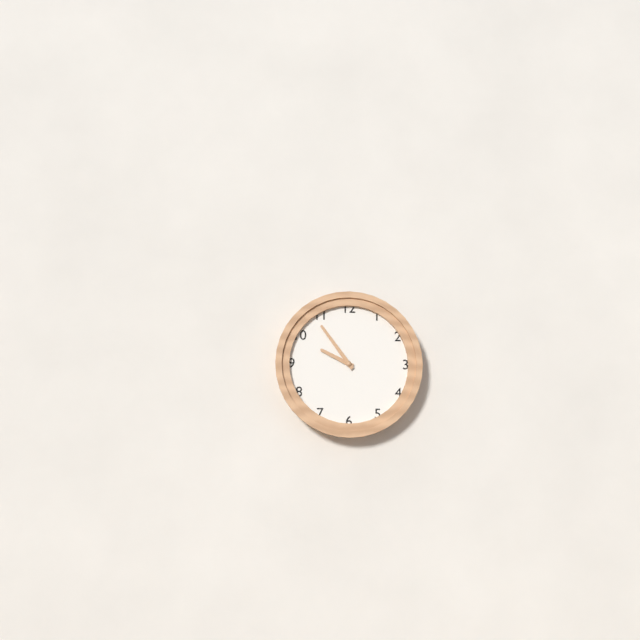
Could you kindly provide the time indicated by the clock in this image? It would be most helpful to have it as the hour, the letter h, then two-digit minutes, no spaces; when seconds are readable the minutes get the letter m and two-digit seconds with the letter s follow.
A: 9h54
